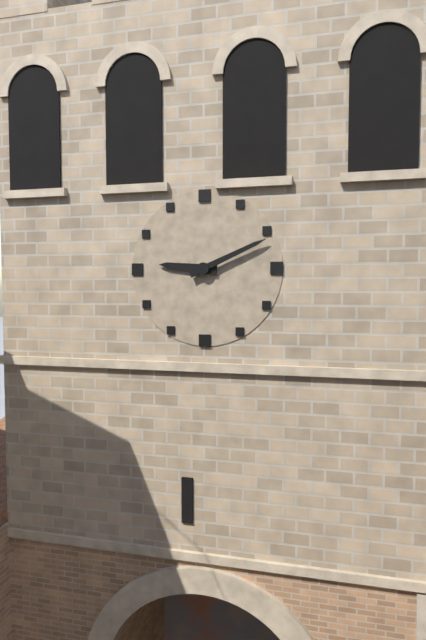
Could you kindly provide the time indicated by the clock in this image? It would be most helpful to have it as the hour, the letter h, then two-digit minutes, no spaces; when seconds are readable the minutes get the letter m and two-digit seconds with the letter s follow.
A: 9h11
